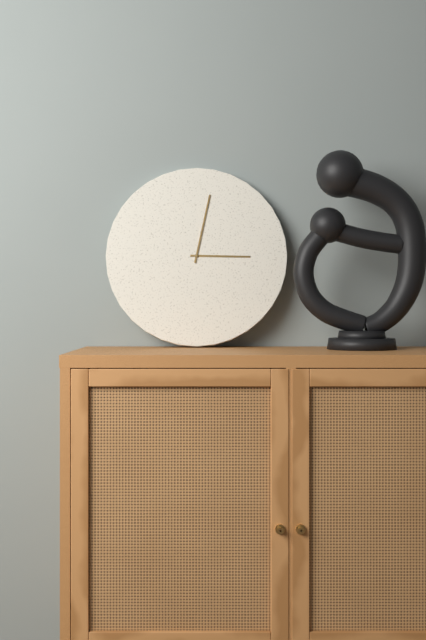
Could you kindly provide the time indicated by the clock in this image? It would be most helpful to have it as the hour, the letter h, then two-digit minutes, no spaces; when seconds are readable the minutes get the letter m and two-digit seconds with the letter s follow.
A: 3h02
